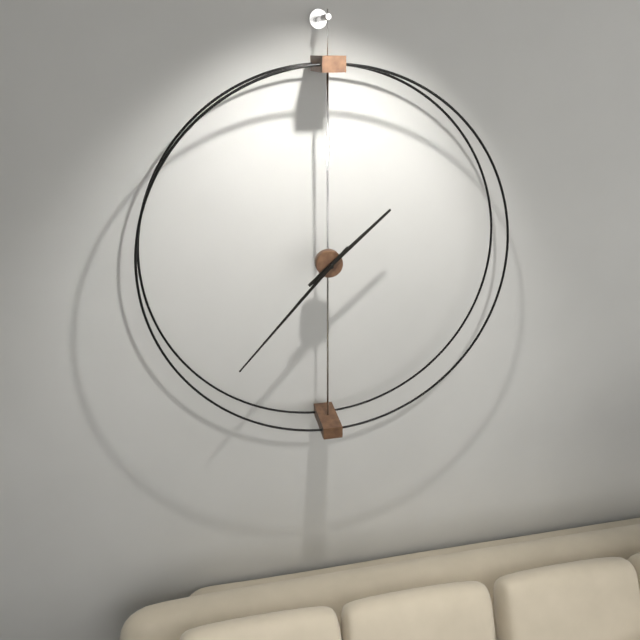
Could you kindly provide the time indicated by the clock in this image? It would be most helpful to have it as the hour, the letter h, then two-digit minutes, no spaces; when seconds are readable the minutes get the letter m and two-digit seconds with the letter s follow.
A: 1h37
